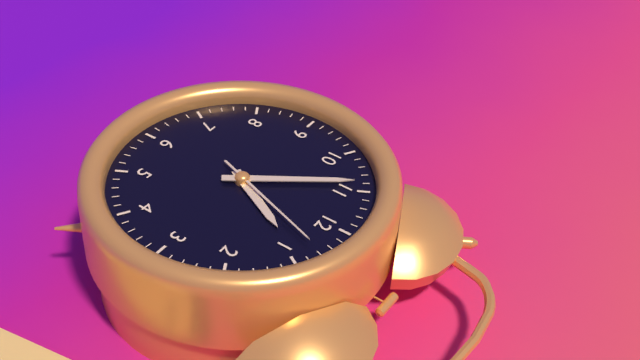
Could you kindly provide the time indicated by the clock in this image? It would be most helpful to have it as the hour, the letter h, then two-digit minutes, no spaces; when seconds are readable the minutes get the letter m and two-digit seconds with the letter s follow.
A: 12h54m03s
